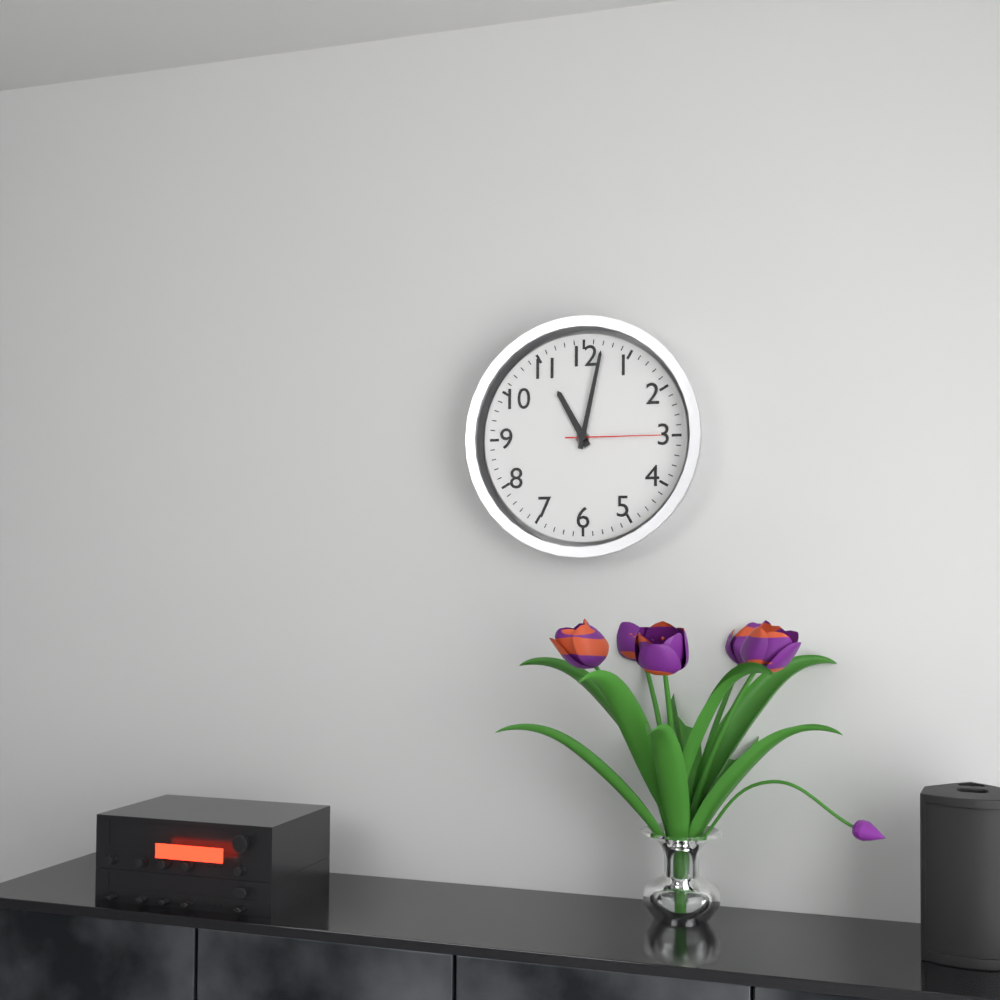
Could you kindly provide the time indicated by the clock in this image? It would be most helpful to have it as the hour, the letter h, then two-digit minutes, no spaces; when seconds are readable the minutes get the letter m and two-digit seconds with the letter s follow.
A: 11h02m15s
